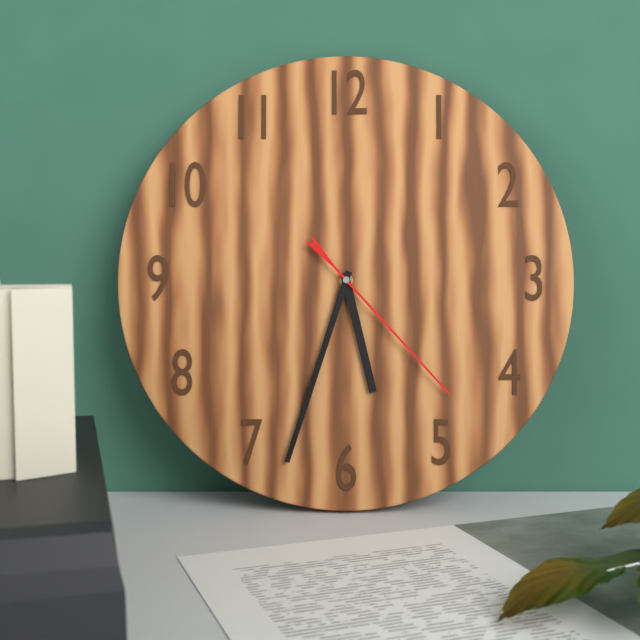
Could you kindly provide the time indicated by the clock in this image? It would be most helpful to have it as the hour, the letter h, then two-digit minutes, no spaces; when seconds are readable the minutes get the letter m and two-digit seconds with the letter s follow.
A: 5h33m23s
